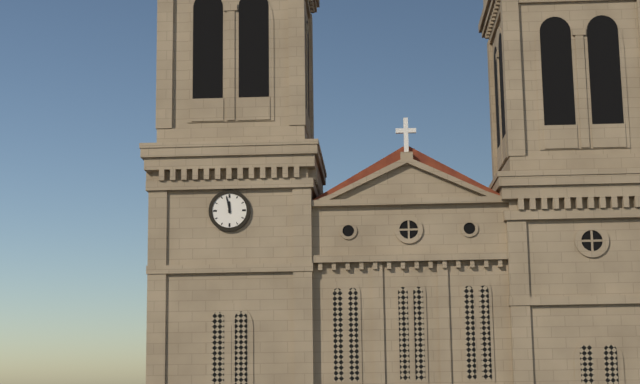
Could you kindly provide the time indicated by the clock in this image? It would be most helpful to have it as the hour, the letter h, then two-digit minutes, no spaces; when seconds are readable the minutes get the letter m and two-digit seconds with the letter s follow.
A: 11h58
